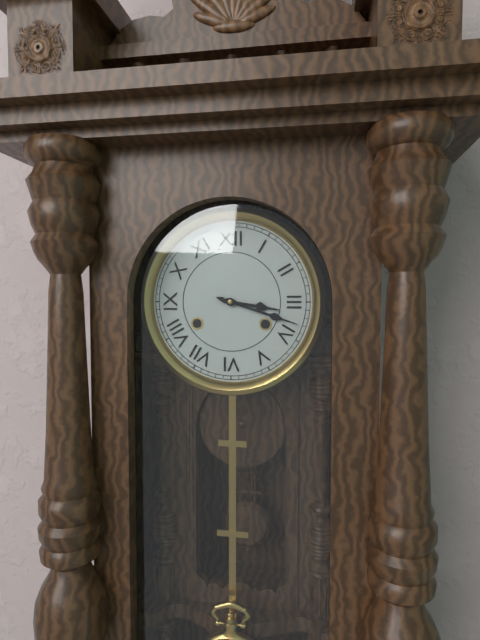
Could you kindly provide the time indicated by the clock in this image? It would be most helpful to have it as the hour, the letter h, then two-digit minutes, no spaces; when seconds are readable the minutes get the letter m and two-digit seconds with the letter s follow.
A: 3h18
